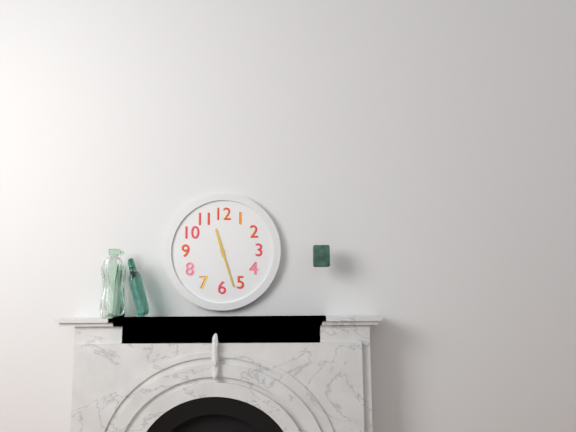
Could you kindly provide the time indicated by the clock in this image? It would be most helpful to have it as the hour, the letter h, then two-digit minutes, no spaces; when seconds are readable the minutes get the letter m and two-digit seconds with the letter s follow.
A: 11h27
